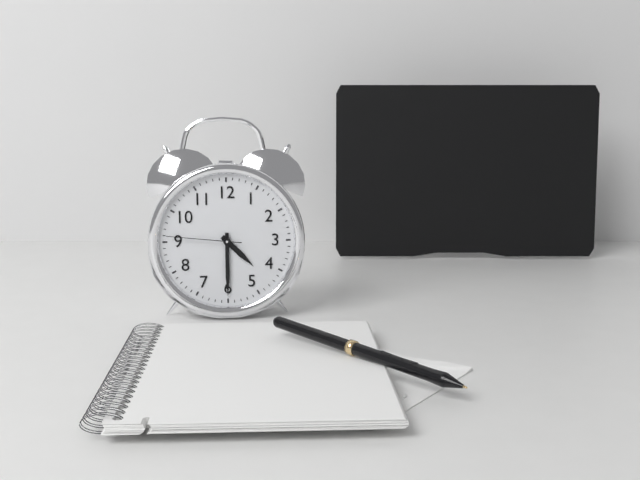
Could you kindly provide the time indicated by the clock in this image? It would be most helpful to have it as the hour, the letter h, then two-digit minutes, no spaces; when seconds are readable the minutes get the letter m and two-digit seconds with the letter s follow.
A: 4h30m46s
